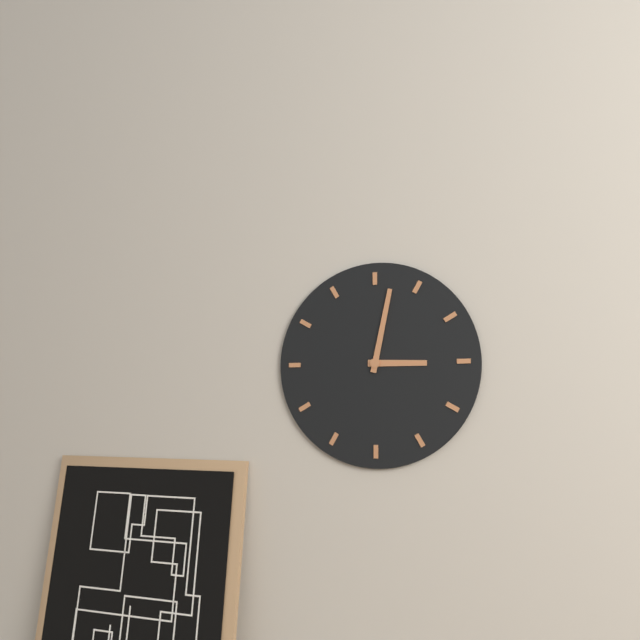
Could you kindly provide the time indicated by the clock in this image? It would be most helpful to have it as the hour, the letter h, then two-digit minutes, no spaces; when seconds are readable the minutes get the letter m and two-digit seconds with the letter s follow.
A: 3h02
